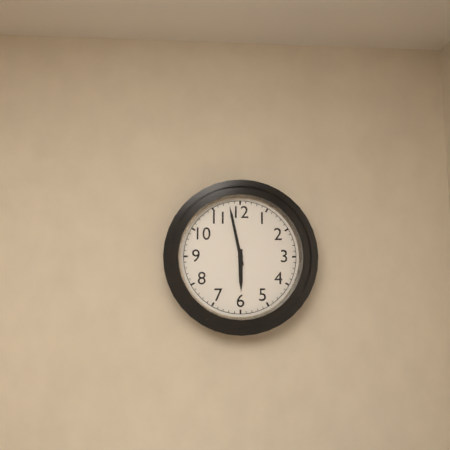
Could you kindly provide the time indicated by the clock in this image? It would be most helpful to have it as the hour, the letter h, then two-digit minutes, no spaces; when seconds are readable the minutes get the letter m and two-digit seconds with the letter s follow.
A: 5h58
